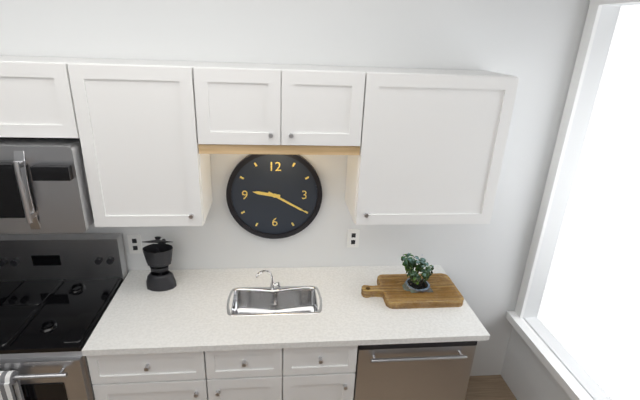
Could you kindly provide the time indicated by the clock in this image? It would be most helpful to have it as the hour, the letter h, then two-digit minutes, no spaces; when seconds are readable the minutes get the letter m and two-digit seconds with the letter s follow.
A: 9h20
